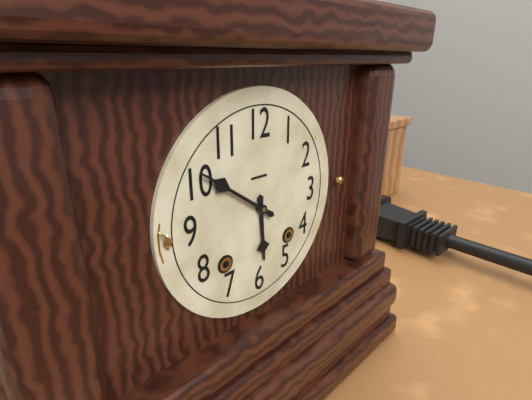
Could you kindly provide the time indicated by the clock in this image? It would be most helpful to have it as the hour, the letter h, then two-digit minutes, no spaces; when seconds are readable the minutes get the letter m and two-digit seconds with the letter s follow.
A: 5h51
